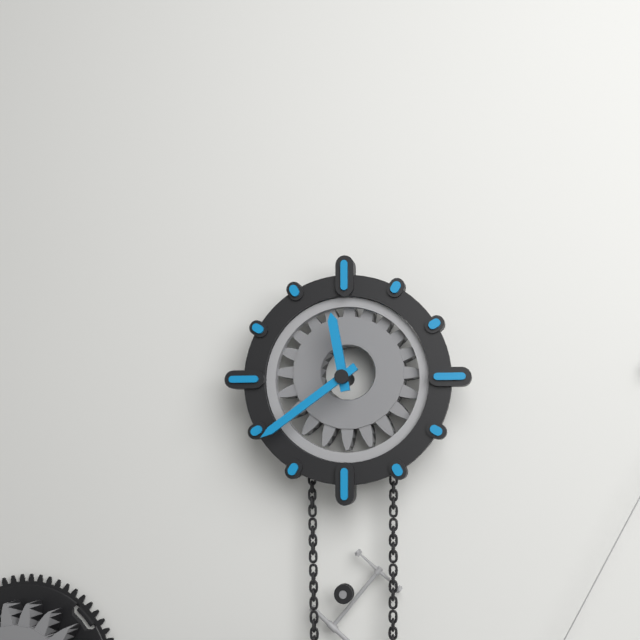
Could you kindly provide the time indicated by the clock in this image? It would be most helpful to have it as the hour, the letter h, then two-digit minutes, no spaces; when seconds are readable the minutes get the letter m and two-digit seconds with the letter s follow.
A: 11h39
